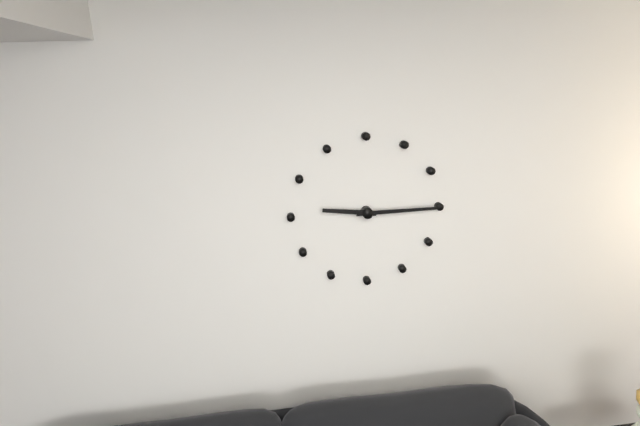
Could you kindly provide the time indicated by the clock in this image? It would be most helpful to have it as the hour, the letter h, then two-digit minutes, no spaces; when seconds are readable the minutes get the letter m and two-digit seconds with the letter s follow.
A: 9h15
